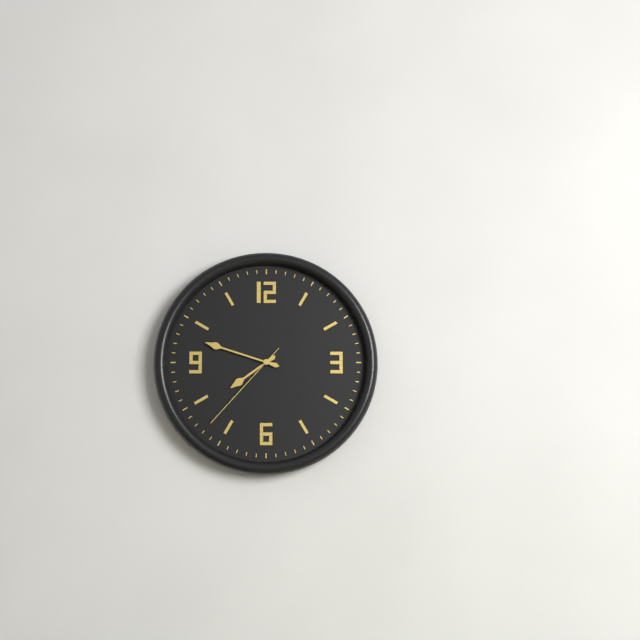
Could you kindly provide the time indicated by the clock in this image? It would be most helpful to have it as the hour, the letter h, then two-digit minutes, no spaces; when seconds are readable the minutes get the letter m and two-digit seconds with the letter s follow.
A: 7h48m37s
